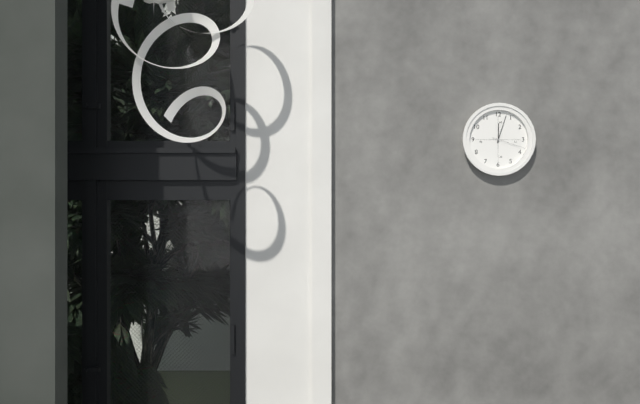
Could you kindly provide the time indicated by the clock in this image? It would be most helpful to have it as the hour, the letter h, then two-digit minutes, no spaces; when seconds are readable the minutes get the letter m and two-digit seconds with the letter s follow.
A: 12h03
